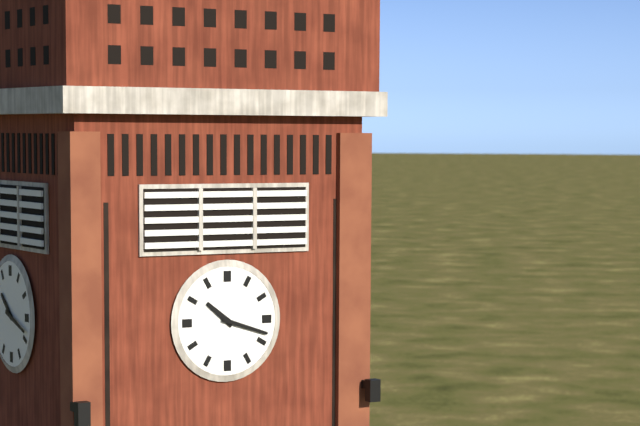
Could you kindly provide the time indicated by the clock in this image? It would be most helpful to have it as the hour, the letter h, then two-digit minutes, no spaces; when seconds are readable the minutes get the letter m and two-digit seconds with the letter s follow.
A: 10h18
